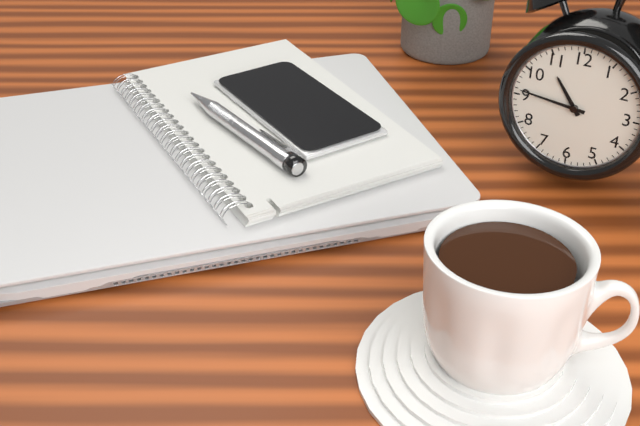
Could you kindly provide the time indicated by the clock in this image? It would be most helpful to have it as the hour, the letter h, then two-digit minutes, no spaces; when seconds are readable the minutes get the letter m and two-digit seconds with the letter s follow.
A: 10h46
